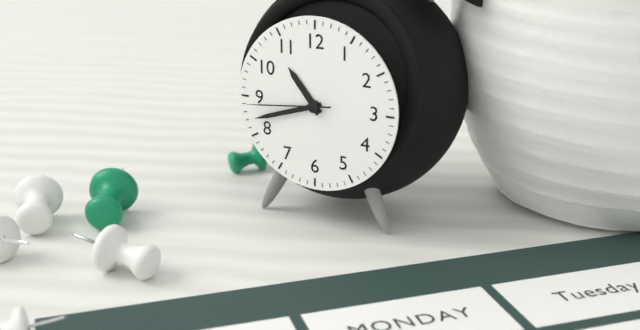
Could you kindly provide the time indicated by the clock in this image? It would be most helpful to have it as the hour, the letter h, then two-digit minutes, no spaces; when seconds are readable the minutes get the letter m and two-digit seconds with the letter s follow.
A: 10h42m44s
